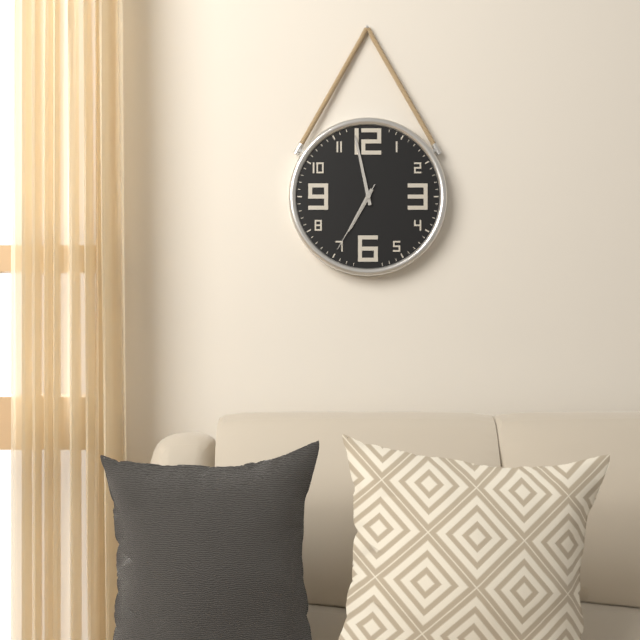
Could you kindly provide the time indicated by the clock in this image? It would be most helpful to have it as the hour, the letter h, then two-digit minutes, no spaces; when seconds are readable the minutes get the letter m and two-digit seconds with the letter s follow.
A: 6h58m35s
